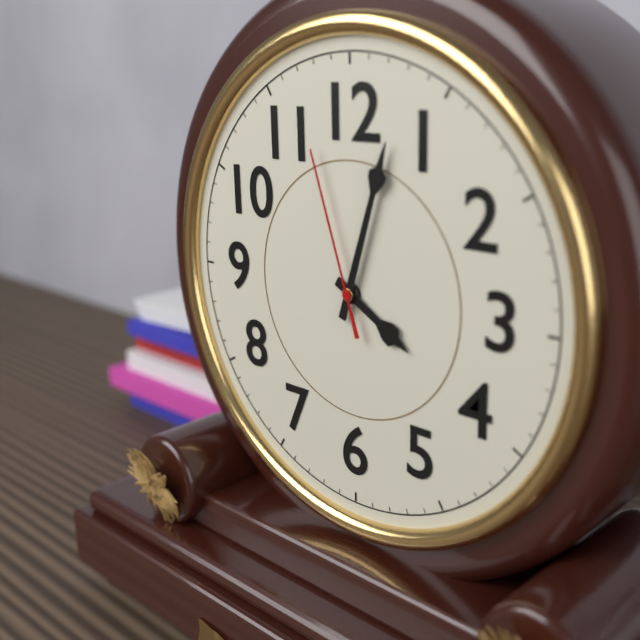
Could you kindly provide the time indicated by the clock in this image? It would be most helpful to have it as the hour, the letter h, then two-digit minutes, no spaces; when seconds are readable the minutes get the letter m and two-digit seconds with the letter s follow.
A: 4h03m57s
